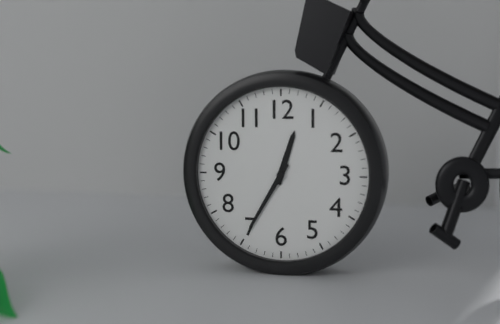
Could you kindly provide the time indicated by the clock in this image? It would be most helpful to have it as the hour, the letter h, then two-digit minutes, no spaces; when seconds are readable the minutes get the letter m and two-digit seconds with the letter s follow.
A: 12h35
